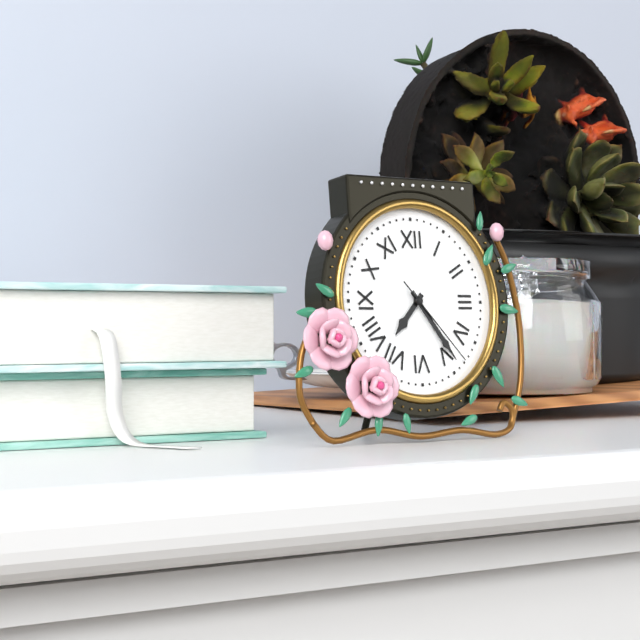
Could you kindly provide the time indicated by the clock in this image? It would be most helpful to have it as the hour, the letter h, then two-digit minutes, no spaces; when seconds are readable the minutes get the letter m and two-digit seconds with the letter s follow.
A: 7h24m23s
